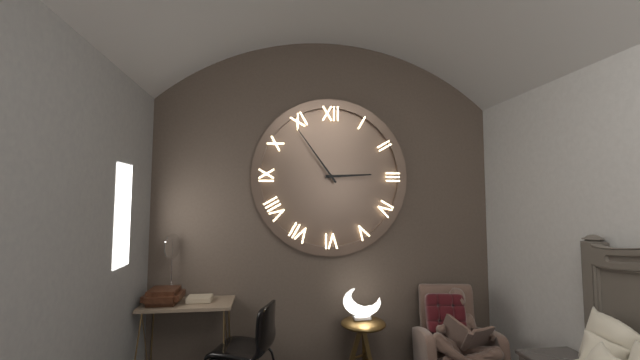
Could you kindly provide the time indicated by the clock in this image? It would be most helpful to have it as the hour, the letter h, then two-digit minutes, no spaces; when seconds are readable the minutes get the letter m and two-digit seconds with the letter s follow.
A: 2h54
